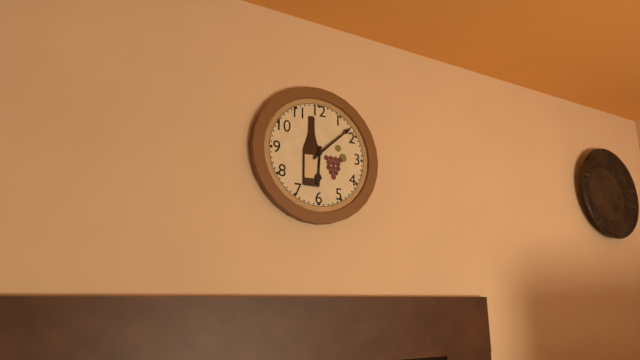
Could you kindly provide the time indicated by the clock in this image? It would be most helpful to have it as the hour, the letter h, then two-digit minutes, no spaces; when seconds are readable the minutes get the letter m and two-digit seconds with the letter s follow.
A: 6h08
